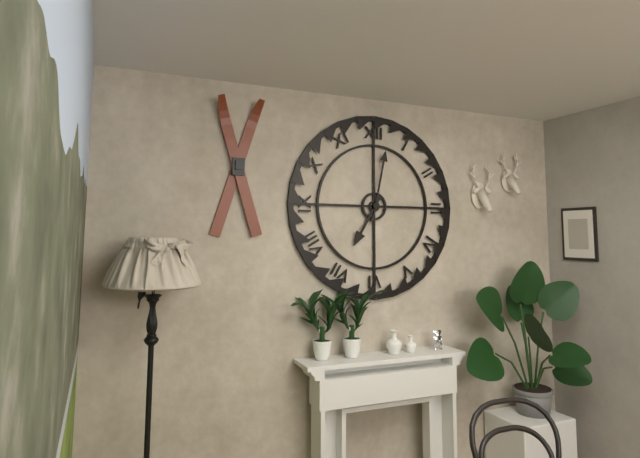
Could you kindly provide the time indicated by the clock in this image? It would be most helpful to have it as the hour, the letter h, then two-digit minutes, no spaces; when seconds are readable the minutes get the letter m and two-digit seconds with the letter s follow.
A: 7h02
